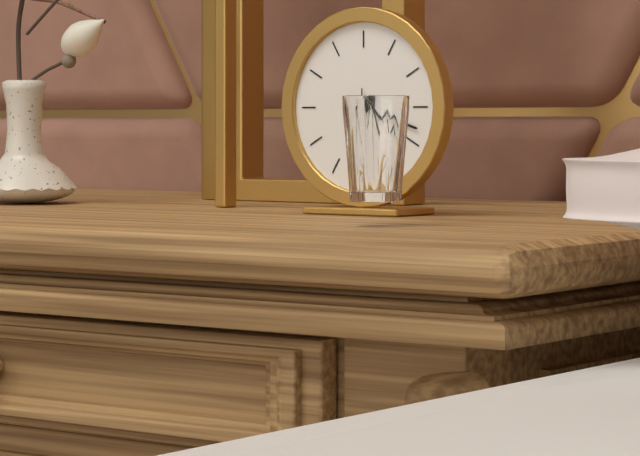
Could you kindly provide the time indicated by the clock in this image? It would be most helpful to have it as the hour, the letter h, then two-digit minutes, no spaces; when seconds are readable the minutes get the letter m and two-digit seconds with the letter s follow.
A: 4h18m30s
